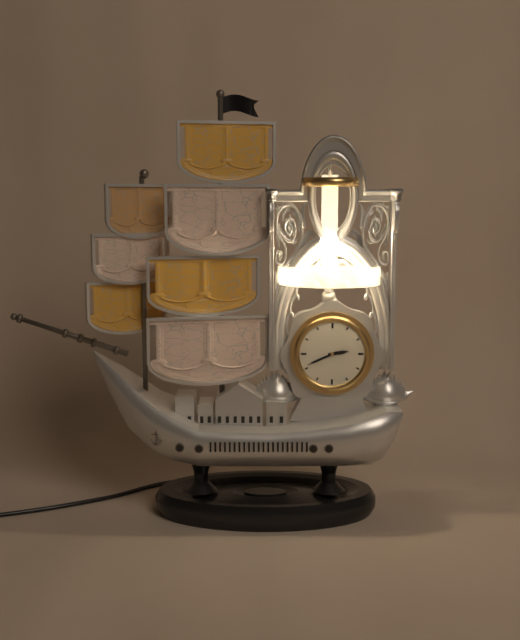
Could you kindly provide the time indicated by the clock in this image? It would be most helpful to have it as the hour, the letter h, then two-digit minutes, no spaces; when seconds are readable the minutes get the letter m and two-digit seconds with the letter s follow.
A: 2h41
